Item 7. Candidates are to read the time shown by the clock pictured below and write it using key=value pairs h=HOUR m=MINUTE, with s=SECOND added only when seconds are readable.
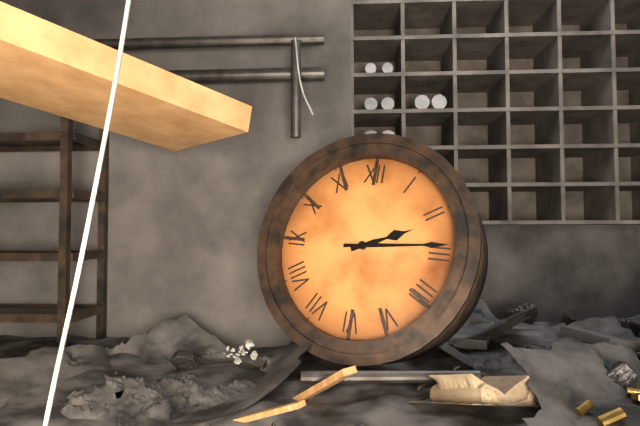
h=2 m=14
